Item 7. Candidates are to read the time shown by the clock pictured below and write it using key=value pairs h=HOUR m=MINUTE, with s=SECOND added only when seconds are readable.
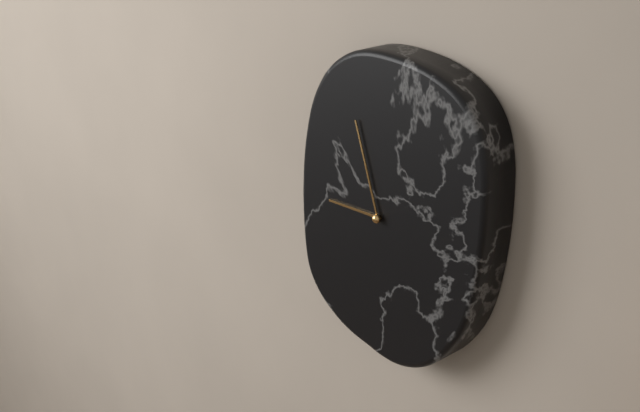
h=8 m=57
